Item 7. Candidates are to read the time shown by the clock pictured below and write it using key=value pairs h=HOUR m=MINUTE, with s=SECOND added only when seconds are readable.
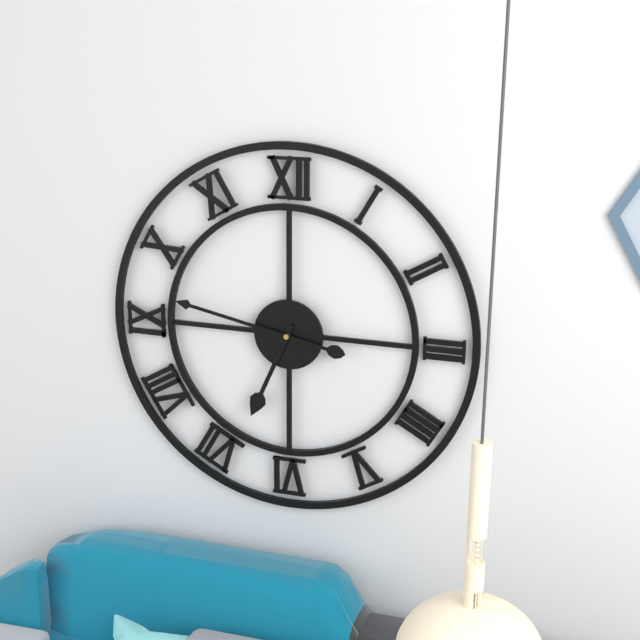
h=6 m=47
